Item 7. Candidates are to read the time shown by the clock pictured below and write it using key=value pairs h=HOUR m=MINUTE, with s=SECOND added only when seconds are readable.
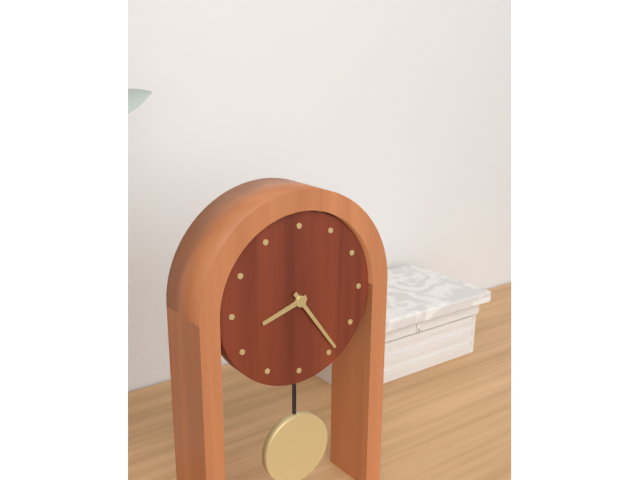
h=8 m=24
